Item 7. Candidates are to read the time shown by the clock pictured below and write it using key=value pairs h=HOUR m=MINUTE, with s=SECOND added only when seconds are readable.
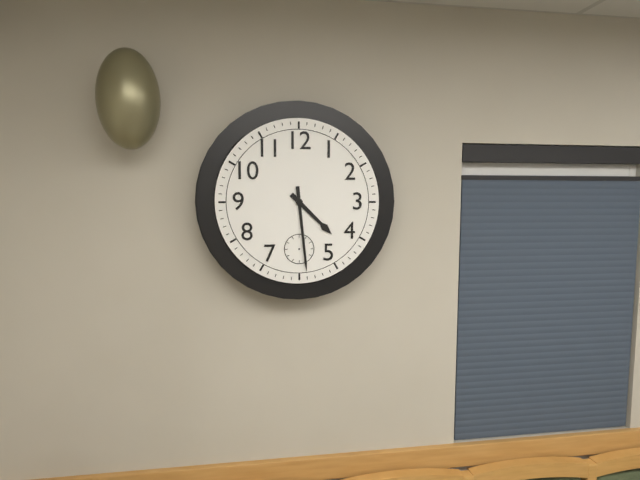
h=4 m=29
